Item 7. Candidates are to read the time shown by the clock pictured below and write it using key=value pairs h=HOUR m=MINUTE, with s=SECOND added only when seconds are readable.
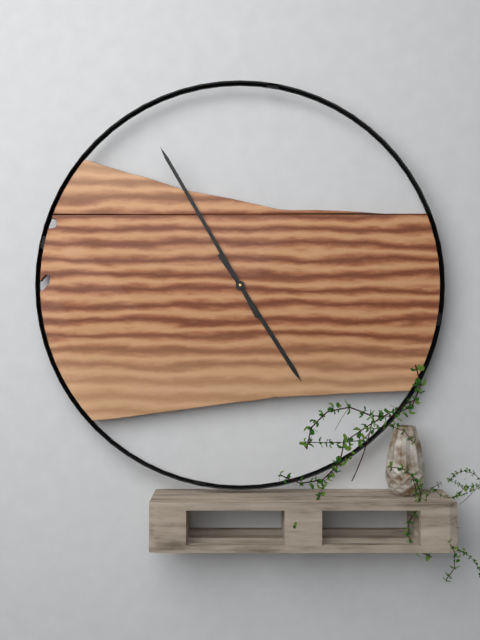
h=4 m=55
